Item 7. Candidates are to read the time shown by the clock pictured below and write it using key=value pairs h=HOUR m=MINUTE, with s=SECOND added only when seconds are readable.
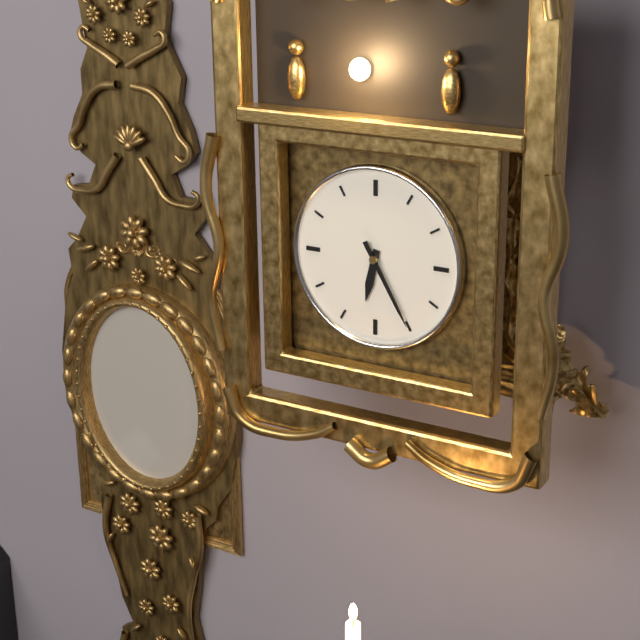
h=6 m=25
